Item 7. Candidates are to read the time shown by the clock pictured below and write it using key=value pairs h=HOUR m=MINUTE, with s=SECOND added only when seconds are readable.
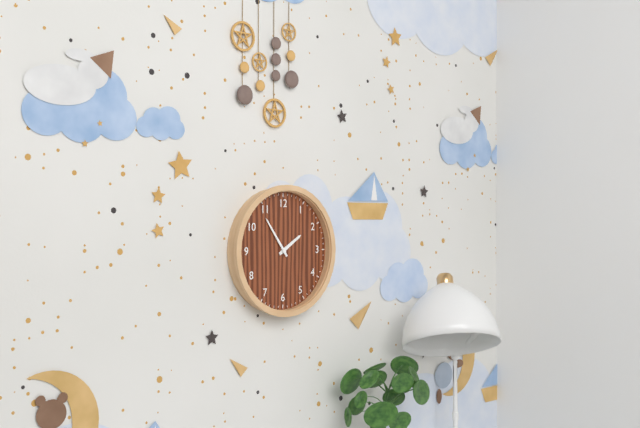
h=1 m=54
